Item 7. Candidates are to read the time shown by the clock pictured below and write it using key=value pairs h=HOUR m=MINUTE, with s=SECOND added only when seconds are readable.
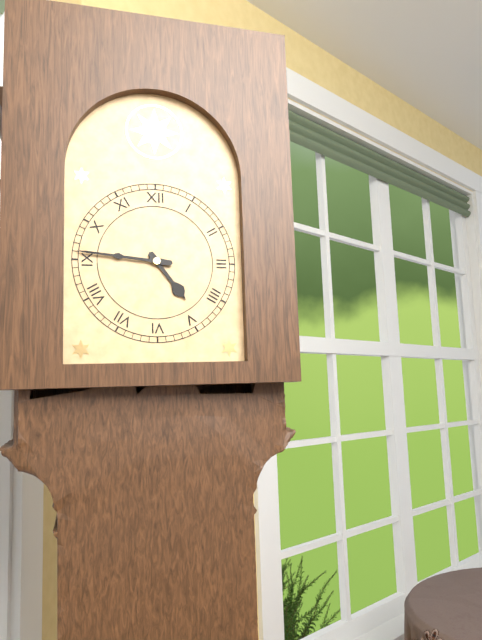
h=4 m=46
